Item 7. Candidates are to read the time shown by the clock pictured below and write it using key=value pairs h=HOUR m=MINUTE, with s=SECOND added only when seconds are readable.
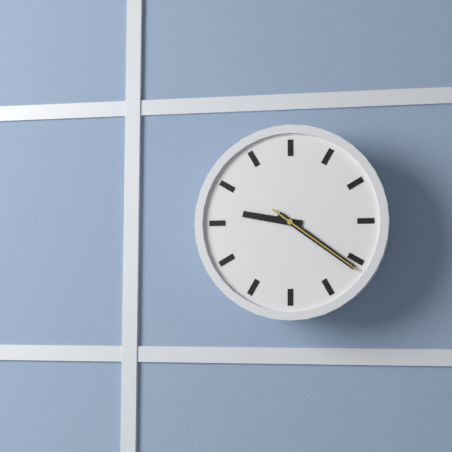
h=9 m=21 s=21
